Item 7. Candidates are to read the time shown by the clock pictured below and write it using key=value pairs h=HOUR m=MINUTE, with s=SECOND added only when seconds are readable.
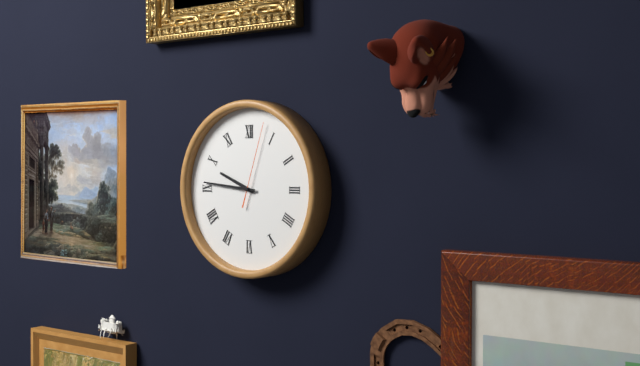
h=9 m=46 s=3
